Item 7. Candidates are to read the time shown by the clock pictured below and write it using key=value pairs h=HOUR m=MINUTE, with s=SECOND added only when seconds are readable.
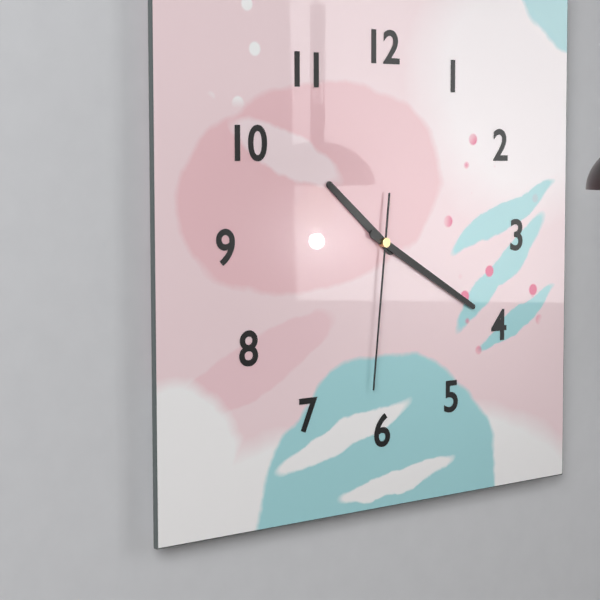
h=10 m=20 s=31
